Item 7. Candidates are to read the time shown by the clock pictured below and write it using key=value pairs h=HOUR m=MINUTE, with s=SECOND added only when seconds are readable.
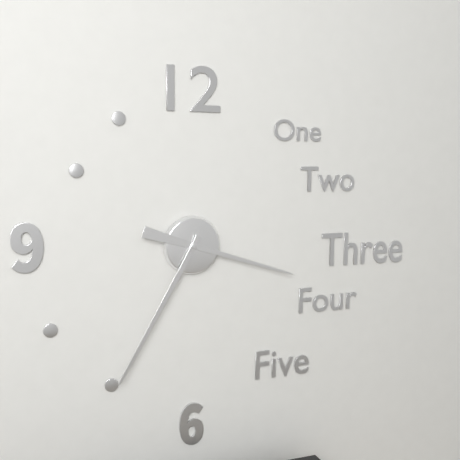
h=3 m=35
